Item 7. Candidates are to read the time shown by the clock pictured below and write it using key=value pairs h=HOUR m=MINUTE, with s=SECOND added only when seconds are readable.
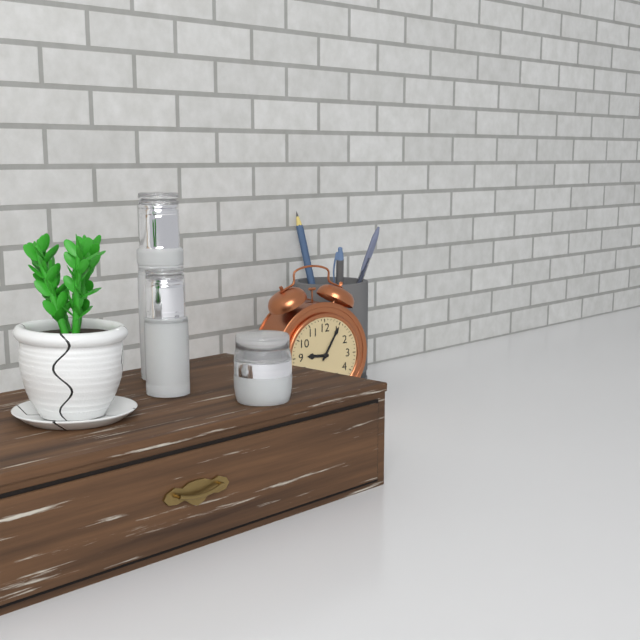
h=9 m=5
